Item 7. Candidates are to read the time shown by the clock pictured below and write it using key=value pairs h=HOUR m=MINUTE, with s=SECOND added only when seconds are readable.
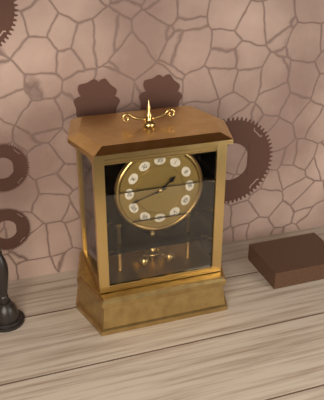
h=1 m=42
